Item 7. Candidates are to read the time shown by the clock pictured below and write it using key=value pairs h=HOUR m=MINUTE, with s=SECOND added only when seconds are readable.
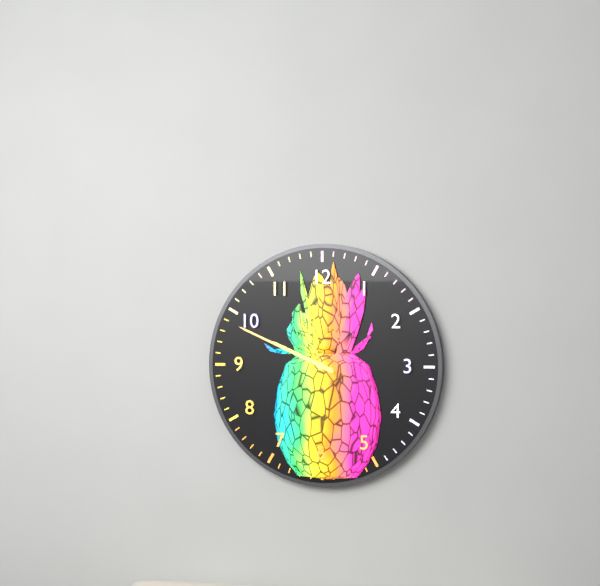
h=9 m=49
